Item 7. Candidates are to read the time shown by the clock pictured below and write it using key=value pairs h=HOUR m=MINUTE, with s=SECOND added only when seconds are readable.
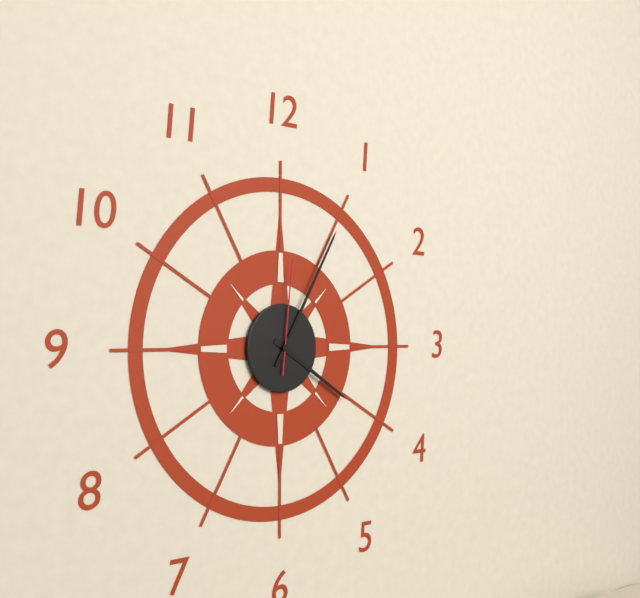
h=4 m=5 s=1
